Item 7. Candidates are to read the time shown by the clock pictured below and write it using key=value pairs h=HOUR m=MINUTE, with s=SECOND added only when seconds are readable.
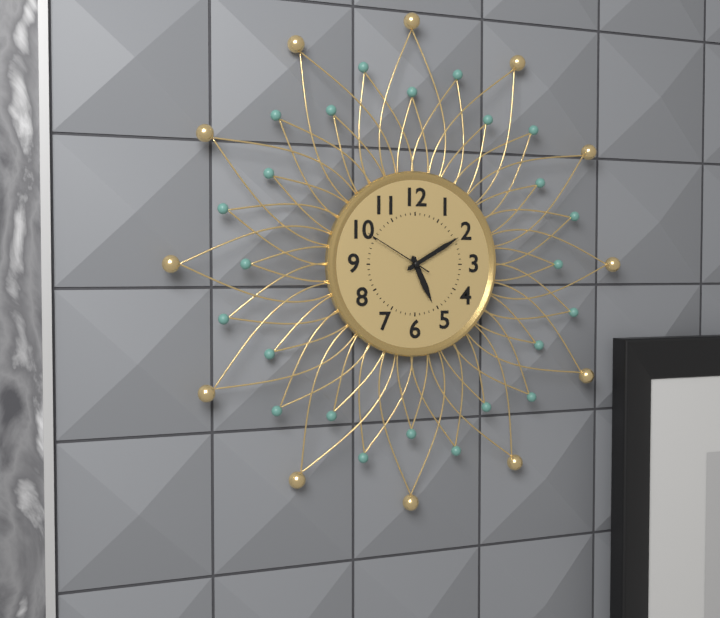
h=5 m=10 s=50
